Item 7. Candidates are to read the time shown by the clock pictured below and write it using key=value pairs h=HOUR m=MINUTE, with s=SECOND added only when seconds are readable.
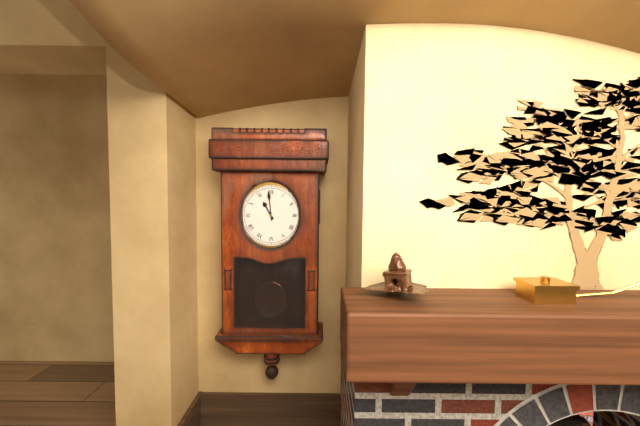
h=10 m=59
